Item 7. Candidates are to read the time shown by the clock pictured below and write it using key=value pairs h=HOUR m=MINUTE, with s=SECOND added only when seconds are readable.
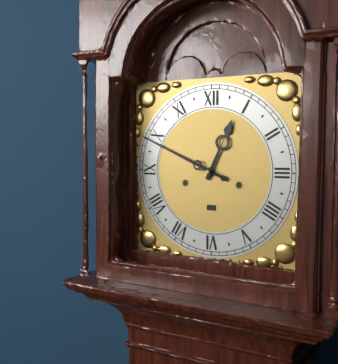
h=12 m=49
